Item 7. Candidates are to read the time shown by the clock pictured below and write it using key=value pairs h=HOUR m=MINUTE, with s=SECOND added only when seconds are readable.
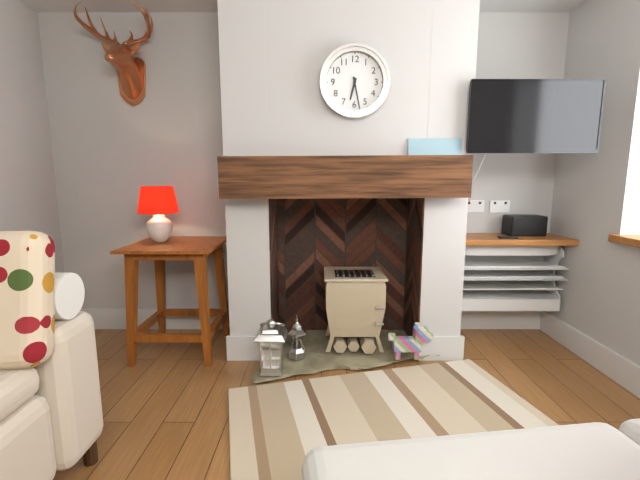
h=6 m=28
